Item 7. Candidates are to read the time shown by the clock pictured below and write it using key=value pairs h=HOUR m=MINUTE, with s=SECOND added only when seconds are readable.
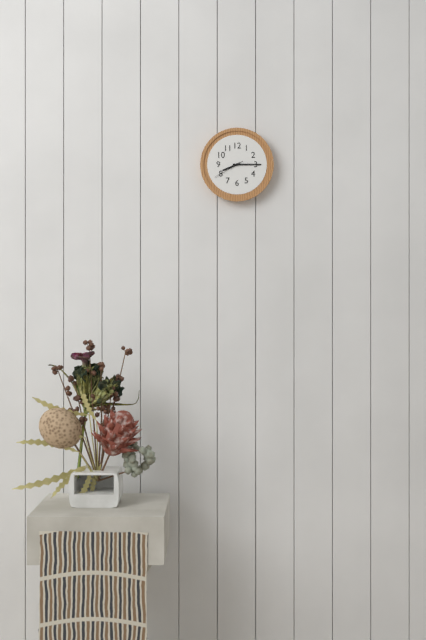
h=8 m=15
